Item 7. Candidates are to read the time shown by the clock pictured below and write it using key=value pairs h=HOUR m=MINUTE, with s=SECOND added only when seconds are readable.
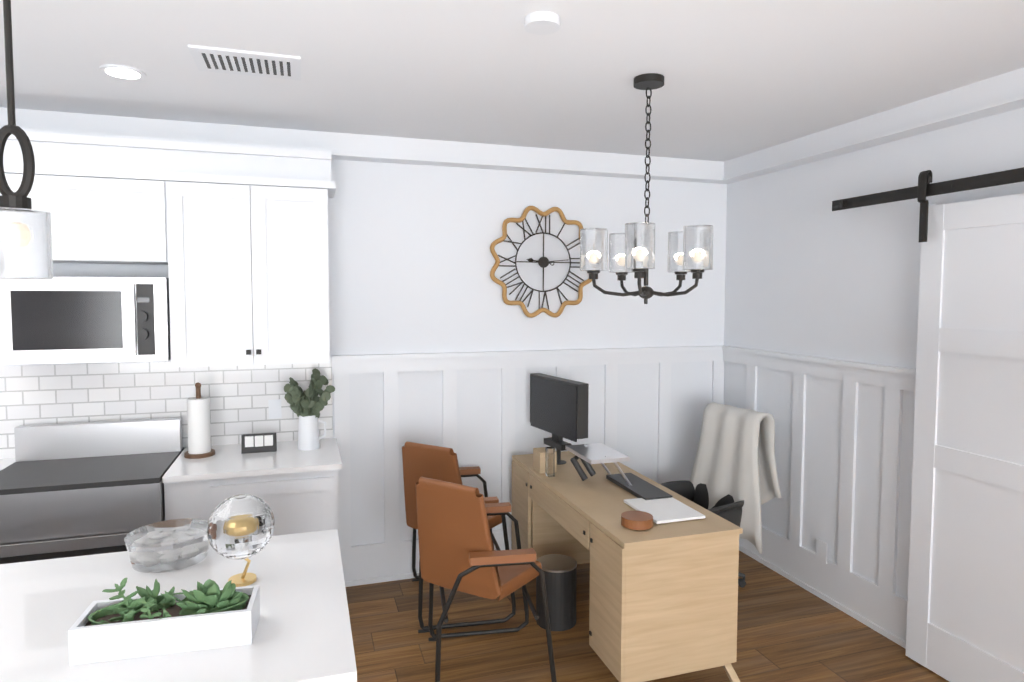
h=9 m=14
